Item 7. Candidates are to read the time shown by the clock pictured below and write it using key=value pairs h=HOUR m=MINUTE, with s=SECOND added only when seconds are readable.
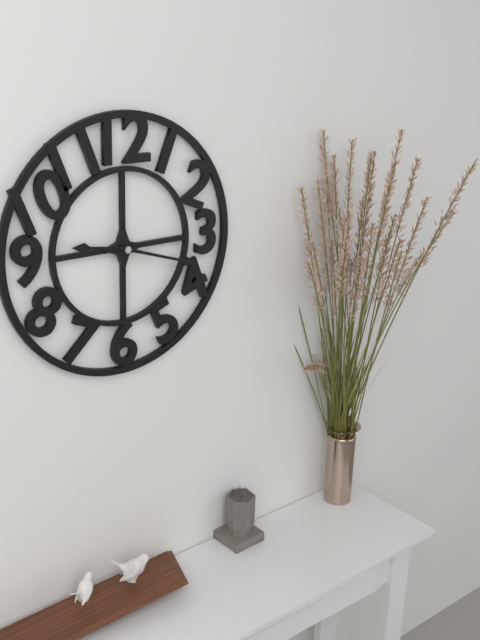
h=9 m=18
